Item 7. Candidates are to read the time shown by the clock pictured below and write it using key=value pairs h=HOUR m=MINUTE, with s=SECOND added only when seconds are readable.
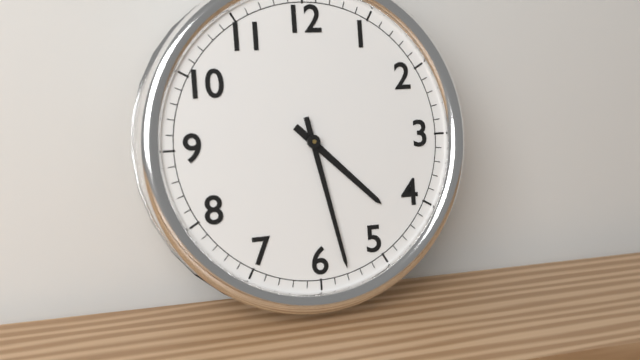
h=4 m=28
